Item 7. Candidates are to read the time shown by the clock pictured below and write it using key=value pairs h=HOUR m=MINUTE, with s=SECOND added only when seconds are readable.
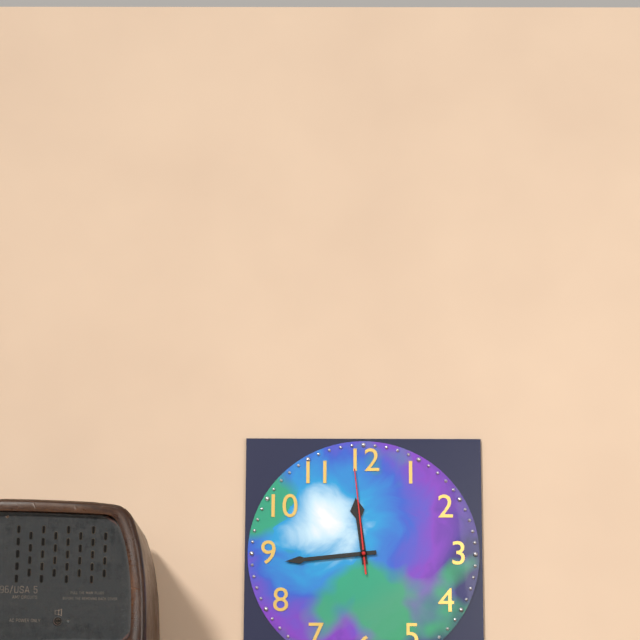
h=11 m=44 s=59
